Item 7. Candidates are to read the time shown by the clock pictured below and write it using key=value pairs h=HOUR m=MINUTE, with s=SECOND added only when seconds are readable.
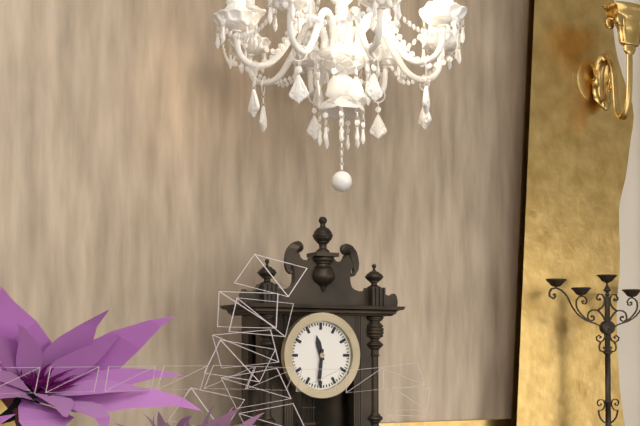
h=11 m=31
